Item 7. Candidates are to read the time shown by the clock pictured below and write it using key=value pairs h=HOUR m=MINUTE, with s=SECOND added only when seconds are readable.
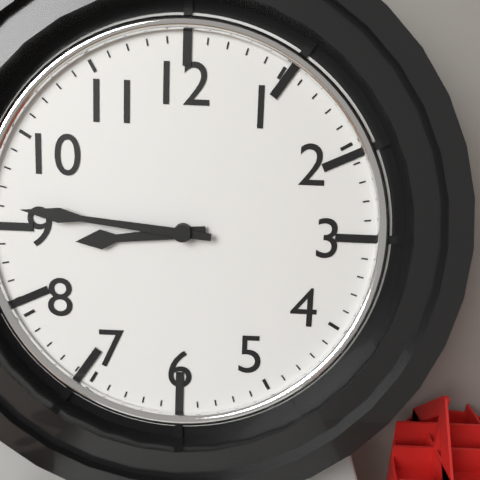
h=8 m=46
